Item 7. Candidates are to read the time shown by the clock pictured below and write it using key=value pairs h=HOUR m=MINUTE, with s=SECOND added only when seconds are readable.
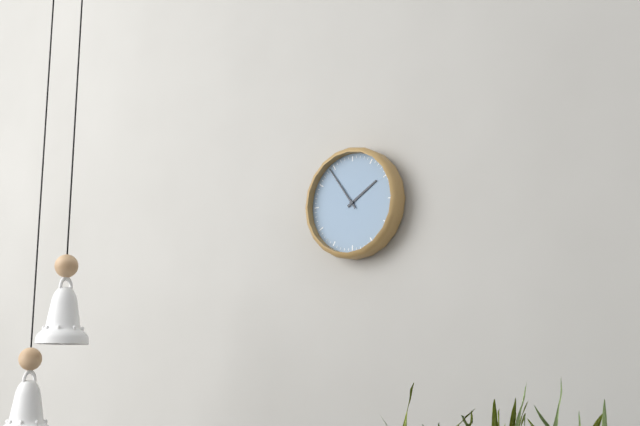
h=1 m=54
